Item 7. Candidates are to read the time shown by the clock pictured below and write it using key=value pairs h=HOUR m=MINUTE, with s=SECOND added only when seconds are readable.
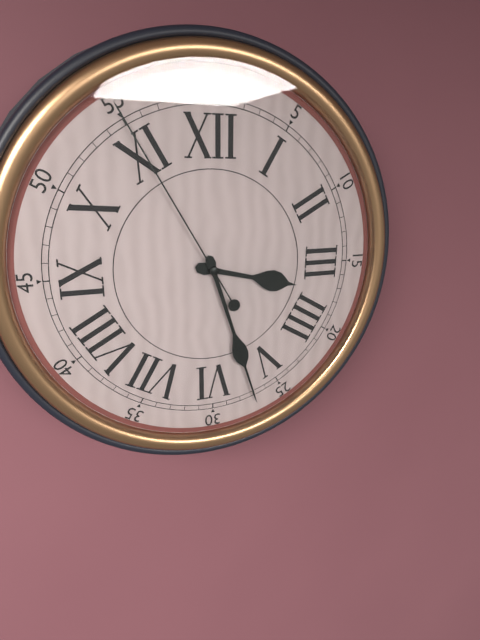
h=3 m=27 s=55
